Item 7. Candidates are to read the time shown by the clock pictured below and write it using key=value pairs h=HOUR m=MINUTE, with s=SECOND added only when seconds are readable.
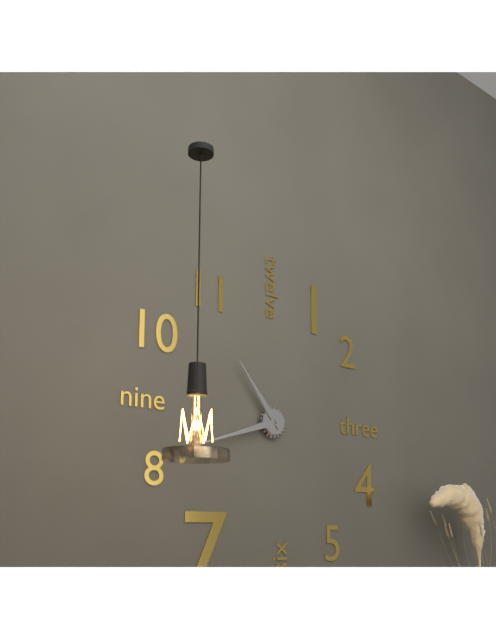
h=10 m=42
